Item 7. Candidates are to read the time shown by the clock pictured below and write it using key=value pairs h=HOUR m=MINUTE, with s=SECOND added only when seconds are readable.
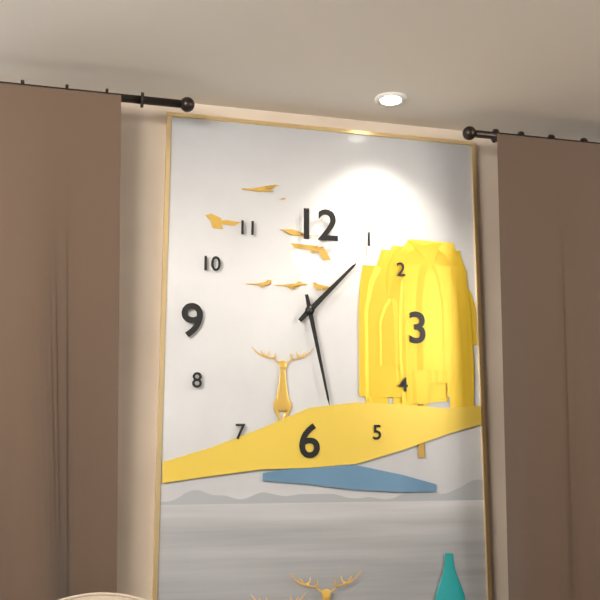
h=1 m=28
